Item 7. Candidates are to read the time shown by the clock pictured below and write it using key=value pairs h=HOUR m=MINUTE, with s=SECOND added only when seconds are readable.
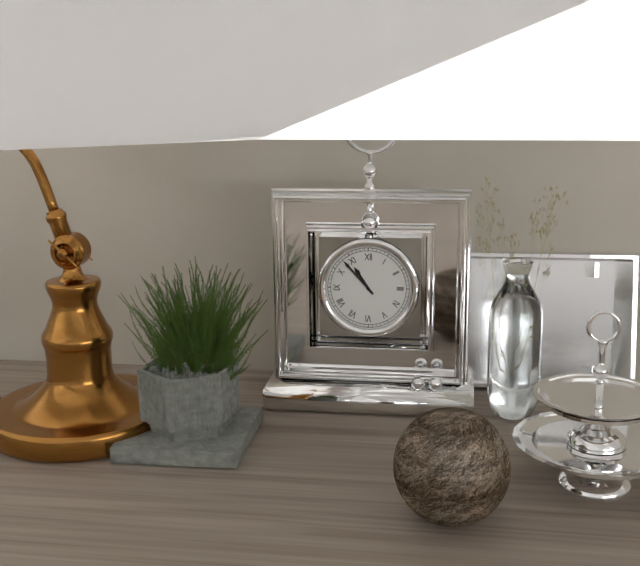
h=10 m=53
